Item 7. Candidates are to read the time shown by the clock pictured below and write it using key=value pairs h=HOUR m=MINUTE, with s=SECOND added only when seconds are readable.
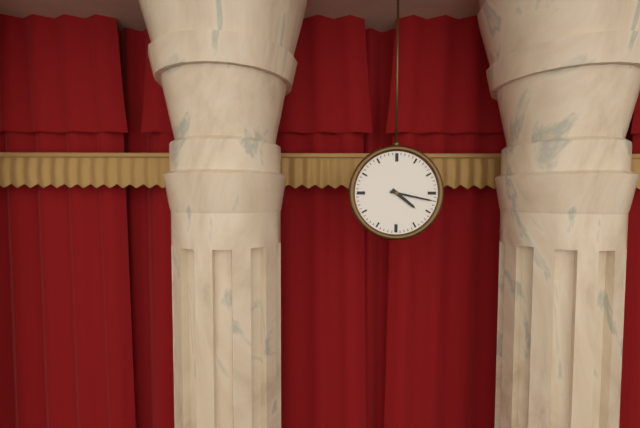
h=4 m=17
